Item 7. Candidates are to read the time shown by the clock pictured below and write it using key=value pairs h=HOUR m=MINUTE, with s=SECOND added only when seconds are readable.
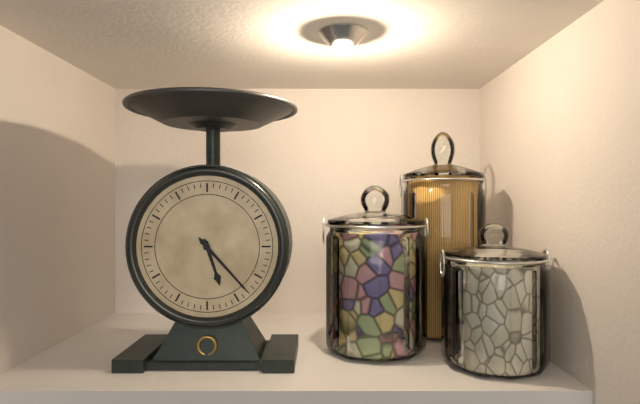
h=5 m=23
